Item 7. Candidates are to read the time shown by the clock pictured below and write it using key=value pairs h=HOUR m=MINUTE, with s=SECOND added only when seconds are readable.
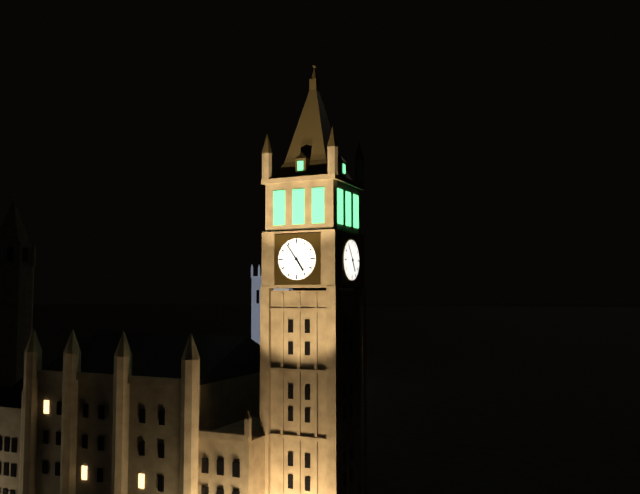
h=4 m=54
